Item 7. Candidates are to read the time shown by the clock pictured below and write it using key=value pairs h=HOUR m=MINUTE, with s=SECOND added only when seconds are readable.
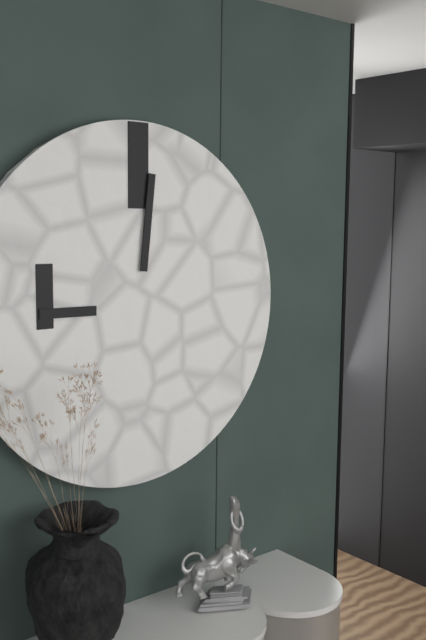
h=9 m=1
